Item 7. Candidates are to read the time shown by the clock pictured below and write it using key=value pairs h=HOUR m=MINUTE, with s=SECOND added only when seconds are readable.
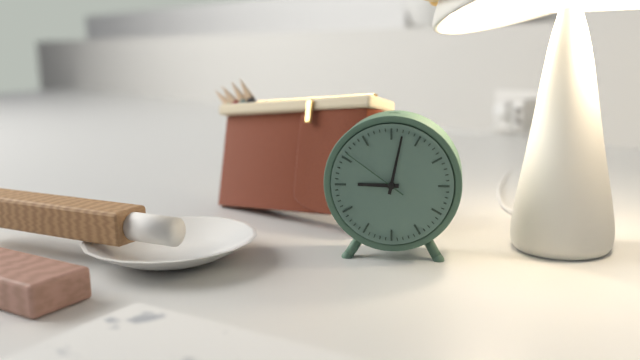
h=9 m=2 s=51
